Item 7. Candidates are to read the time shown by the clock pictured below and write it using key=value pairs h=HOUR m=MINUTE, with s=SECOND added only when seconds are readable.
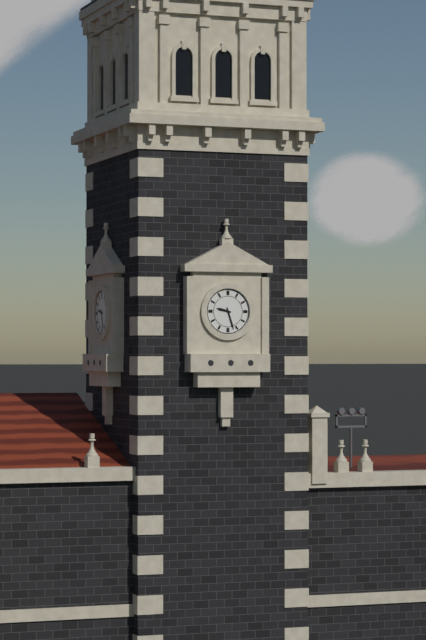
h=9 m=27
